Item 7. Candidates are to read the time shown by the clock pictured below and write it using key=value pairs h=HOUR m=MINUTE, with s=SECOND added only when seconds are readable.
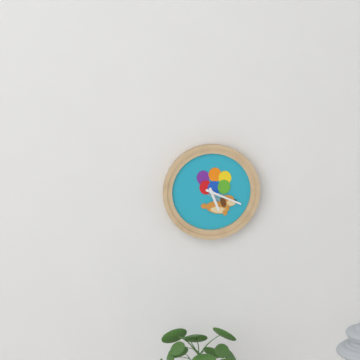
h=5 m=19
